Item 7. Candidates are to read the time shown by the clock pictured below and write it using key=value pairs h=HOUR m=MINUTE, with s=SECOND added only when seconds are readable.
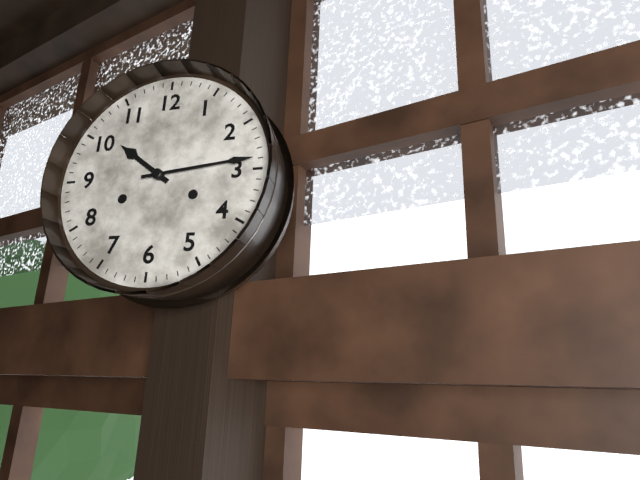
h=10 m=14
